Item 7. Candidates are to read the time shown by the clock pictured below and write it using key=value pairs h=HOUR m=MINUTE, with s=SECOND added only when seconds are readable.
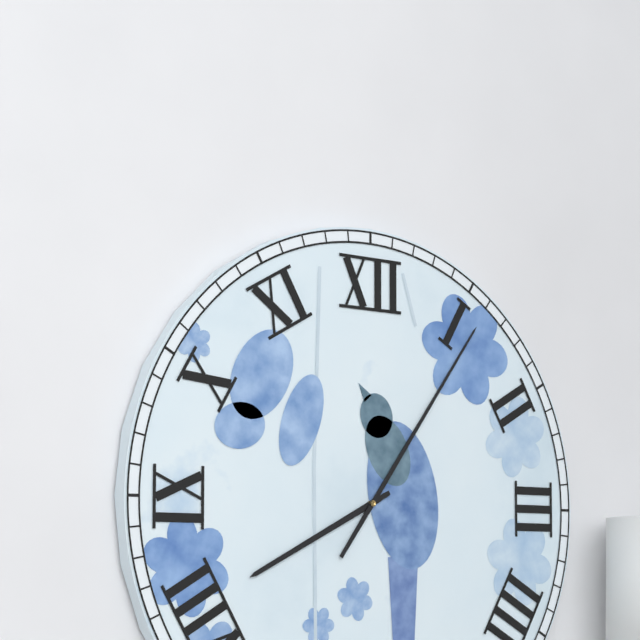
h=8 m=6
